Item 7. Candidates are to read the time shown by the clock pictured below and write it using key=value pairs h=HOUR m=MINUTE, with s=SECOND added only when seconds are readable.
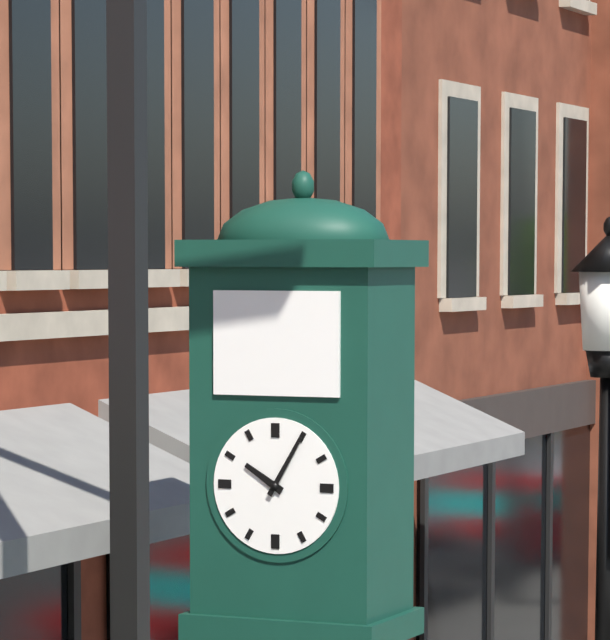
h=10 m=5
